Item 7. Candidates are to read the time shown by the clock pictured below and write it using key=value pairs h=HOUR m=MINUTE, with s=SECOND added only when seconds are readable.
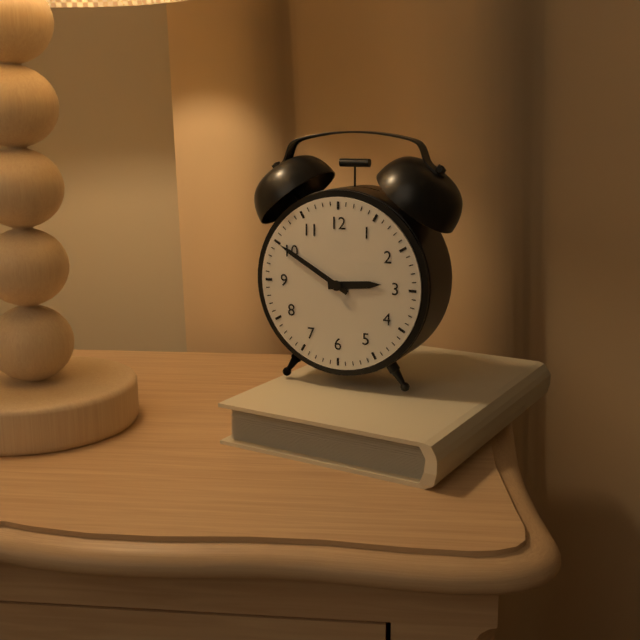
h=2 m=50
